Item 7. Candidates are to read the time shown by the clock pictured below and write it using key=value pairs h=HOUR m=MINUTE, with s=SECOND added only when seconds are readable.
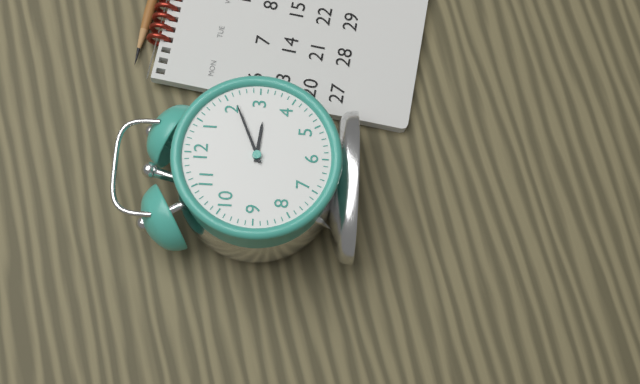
h=3 m=11
